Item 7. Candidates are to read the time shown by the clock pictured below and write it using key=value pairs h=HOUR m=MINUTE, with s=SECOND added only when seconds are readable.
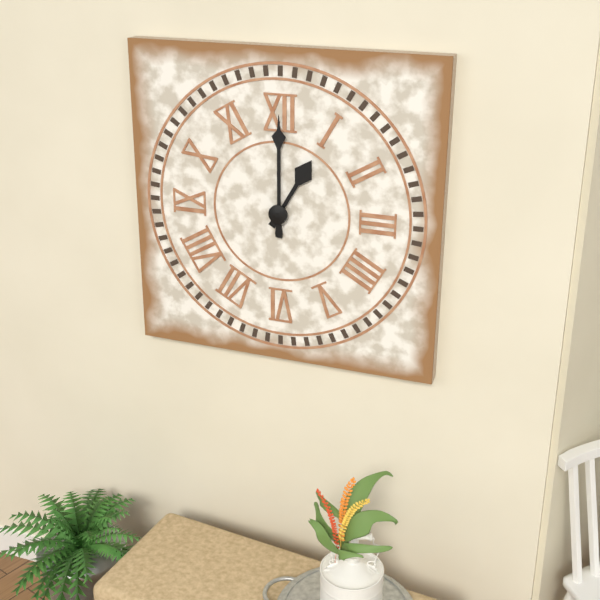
h=1 m=0
